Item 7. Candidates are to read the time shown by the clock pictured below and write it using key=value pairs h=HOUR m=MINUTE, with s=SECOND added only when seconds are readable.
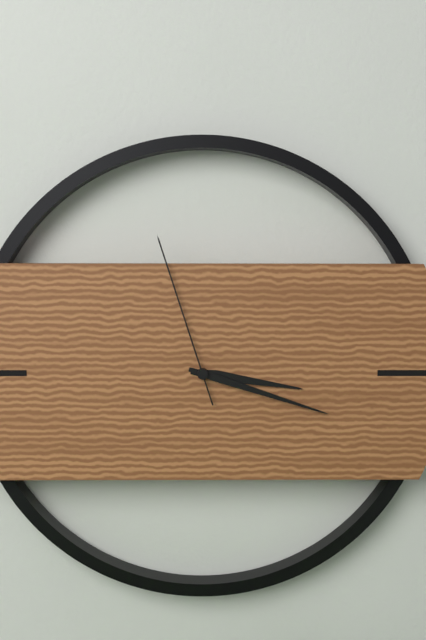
h=3 m=18 s=57
